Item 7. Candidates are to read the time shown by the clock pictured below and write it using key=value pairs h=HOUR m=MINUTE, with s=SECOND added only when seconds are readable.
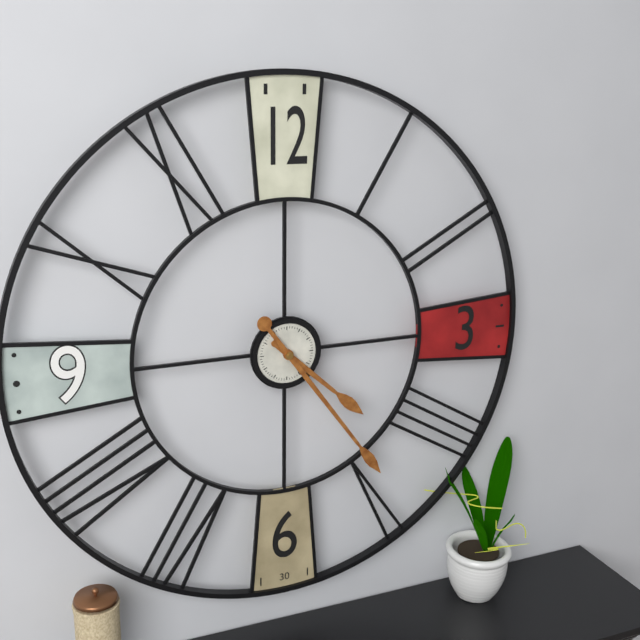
h=4 m=24
